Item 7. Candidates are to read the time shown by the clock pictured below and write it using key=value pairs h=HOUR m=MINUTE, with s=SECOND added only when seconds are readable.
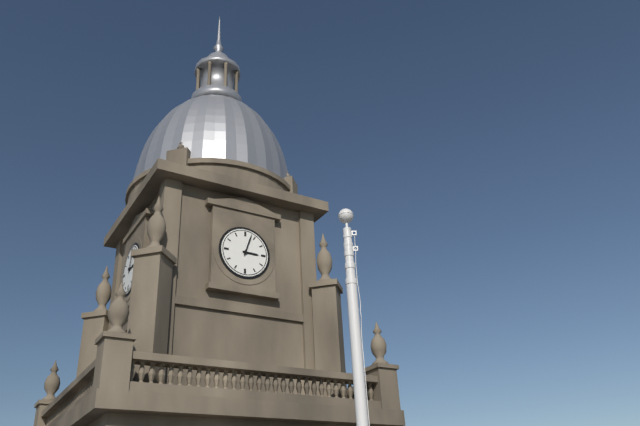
h=3 m=3
